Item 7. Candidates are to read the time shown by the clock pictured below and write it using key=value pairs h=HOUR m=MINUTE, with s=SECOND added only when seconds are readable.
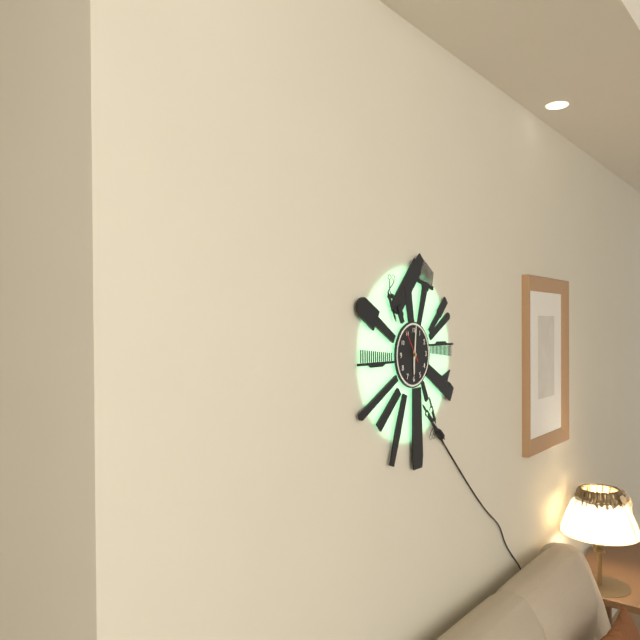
h=6 m=1
